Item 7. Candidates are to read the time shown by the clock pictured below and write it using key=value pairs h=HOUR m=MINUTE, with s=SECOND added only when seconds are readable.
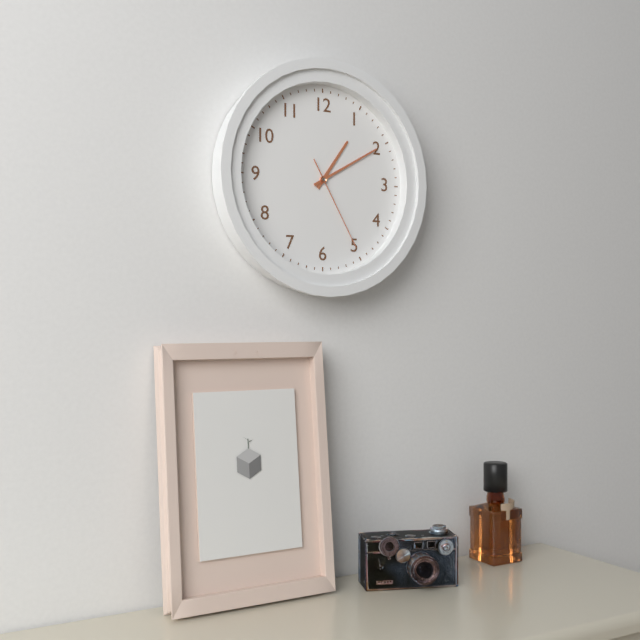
h=1 m=10 s=25
